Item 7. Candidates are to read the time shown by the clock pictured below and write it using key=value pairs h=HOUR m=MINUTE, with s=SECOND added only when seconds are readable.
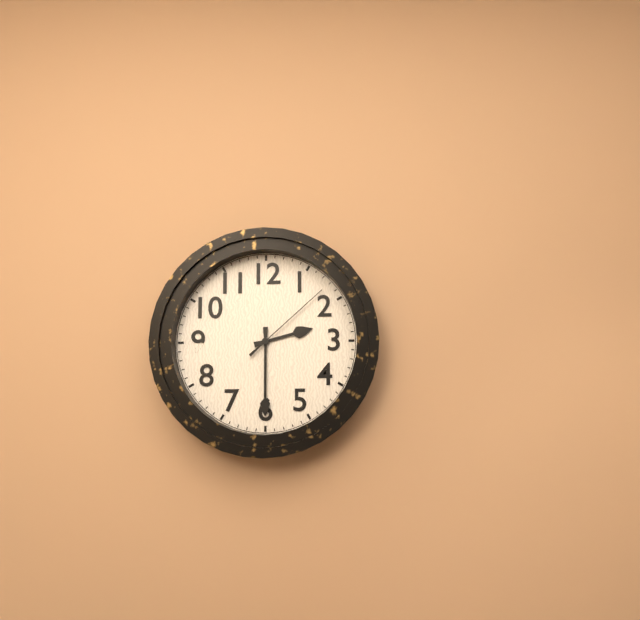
h=2 m=30 s=8
